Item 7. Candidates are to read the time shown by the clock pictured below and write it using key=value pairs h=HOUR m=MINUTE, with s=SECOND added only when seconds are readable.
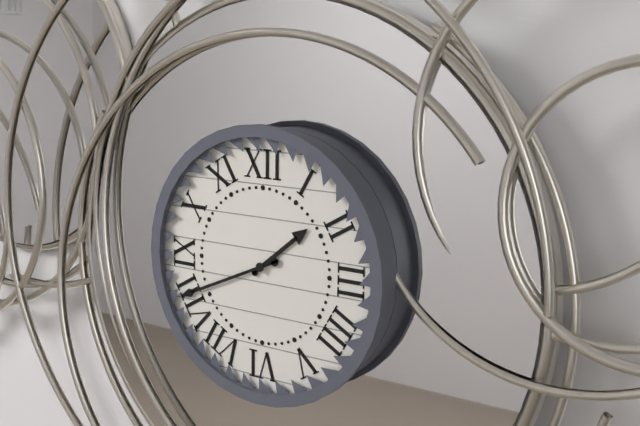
h=1 m=41
